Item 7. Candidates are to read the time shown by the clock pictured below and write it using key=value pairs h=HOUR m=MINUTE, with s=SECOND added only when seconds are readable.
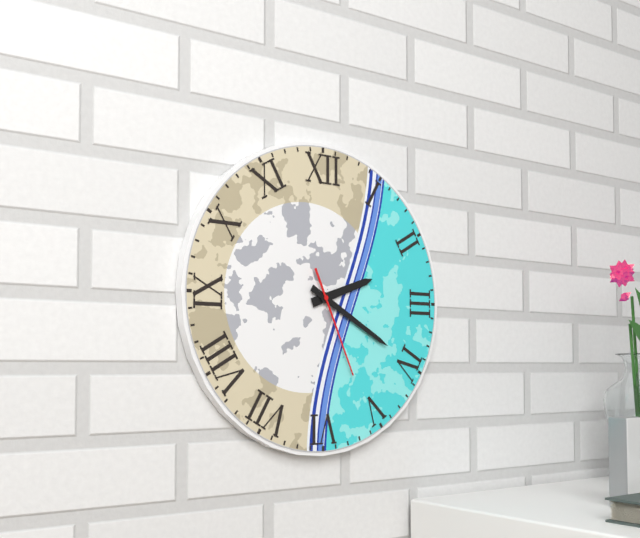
h=2 m=20 s=26
